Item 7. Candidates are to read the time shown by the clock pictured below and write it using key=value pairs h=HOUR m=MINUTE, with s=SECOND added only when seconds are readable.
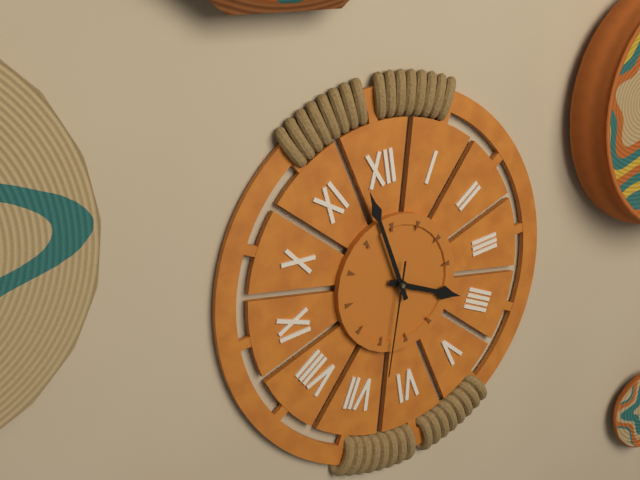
h=3 m=58 s=33
